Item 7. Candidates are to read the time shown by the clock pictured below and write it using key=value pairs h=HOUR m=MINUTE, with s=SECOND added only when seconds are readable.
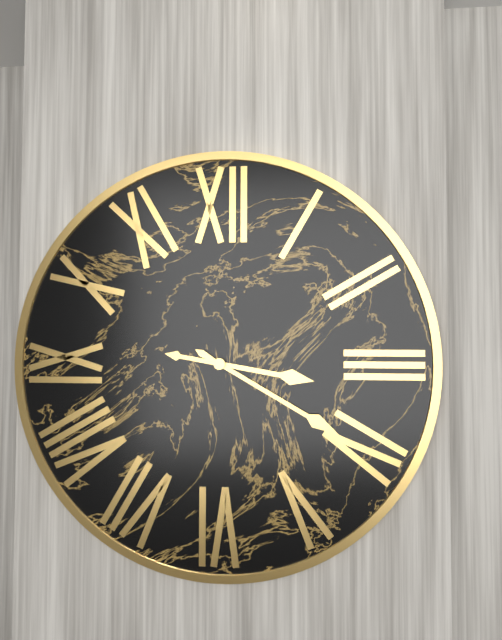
h=3 m=20
